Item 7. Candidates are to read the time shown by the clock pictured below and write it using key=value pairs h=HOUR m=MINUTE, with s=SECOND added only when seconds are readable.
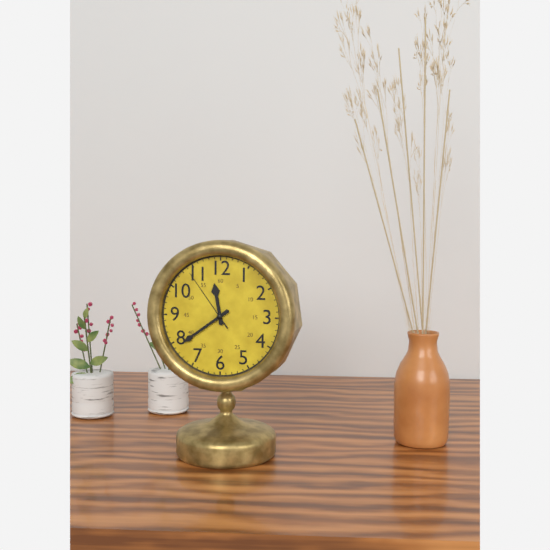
h=11 m=39 s=54
